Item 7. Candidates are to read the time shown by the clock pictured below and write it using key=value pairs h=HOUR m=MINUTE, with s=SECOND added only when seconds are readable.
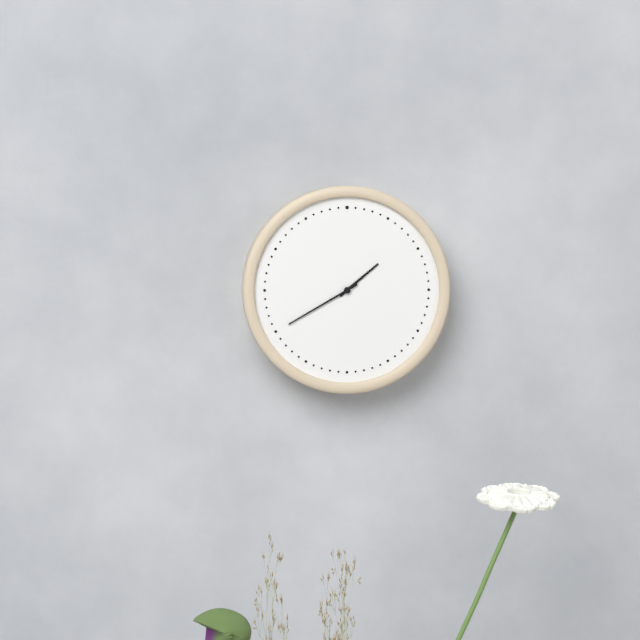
h=1 m=40
